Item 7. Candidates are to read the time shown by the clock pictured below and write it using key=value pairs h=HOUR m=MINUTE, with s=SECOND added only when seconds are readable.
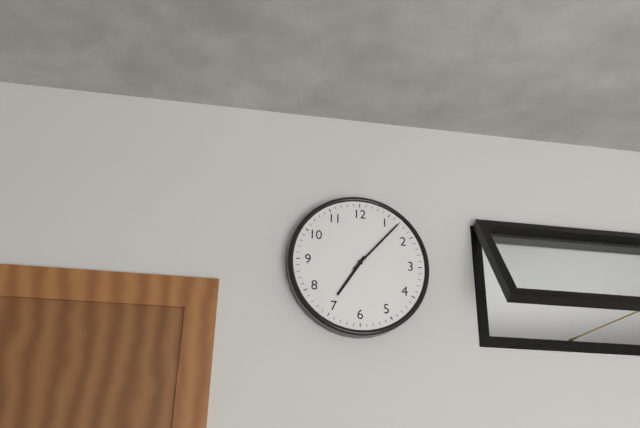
h=7 m=7
